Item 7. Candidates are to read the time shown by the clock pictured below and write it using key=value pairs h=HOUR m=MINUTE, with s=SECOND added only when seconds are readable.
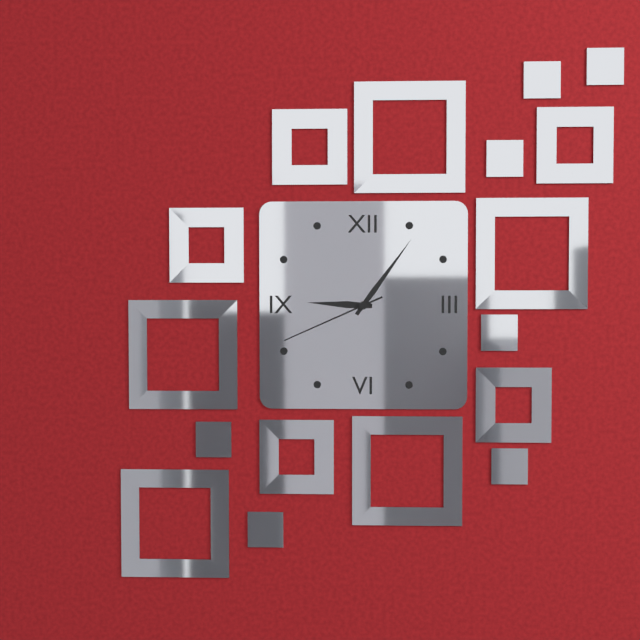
h=9 m=6 s=41
